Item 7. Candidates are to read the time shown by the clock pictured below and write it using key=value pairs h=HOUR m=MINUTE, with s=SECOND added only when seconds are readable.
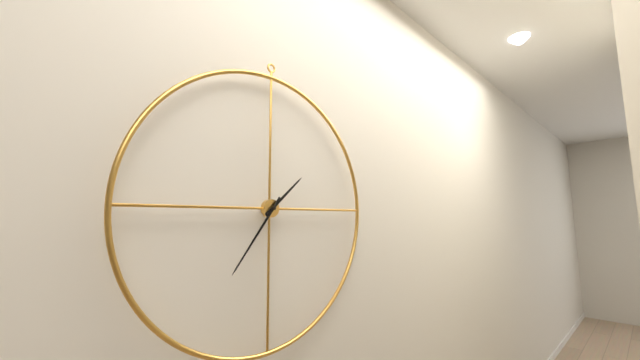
h=1 m=36
